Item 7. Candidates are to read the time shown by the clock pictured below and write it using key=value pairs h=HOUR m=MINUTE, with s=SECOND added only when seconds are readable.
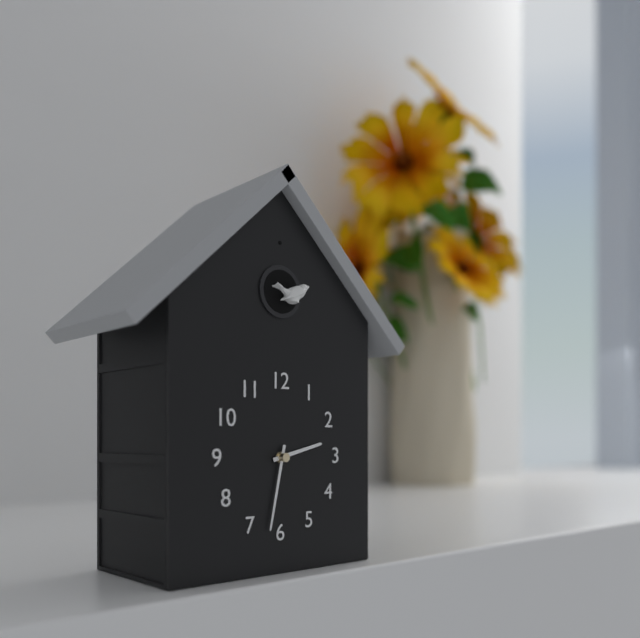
h=2 m=32
